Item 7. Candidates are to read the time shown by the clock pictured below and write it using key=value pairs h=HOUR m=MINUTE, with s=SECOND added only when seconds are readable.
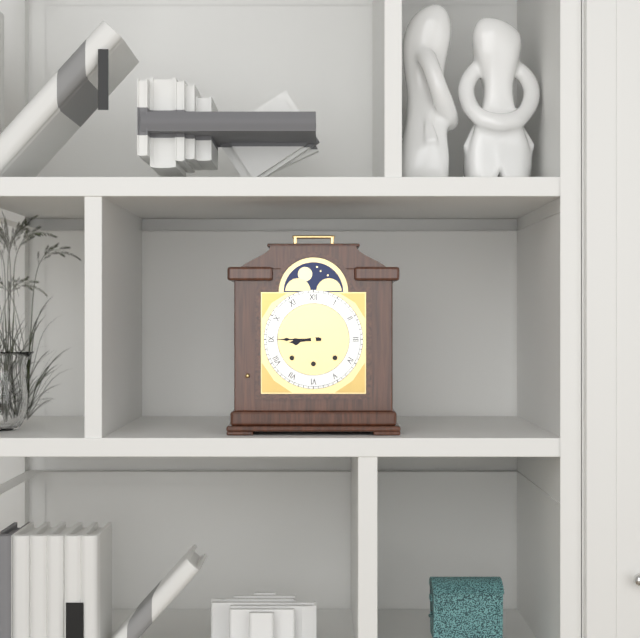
h=8 m=45
